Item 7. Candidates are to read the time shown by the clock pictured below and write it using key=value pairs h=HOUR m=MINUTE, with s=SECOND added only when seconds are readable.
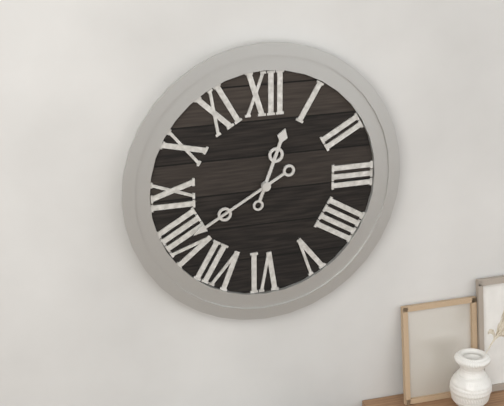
h=12 m=40
